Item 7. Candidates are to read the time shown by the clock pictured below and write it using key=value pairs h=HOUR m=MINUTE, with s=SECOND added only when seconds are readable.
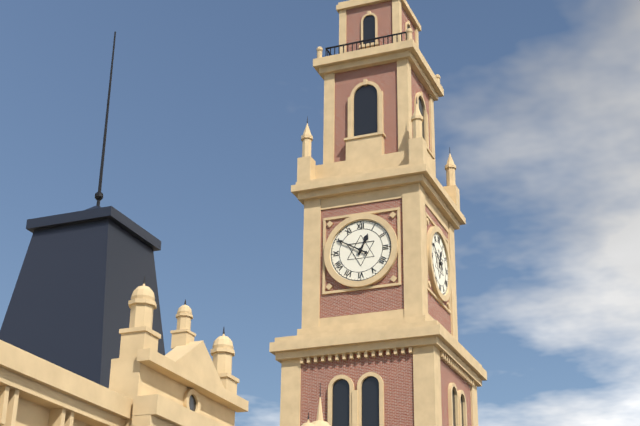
h=12 m=50
